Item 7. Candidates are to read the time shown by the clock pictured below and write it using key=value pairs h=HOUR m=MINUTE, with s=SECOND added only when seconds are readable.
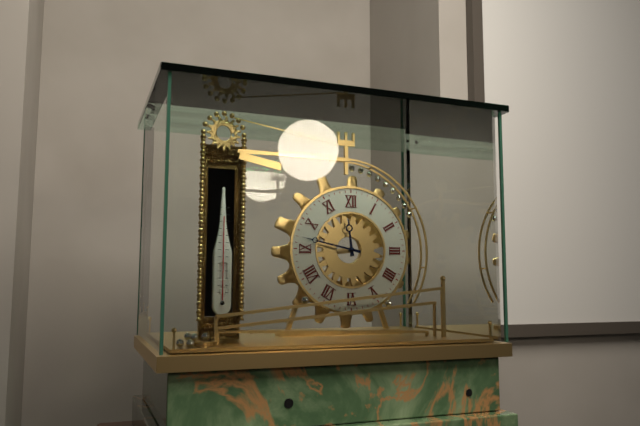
h=11 m=47
